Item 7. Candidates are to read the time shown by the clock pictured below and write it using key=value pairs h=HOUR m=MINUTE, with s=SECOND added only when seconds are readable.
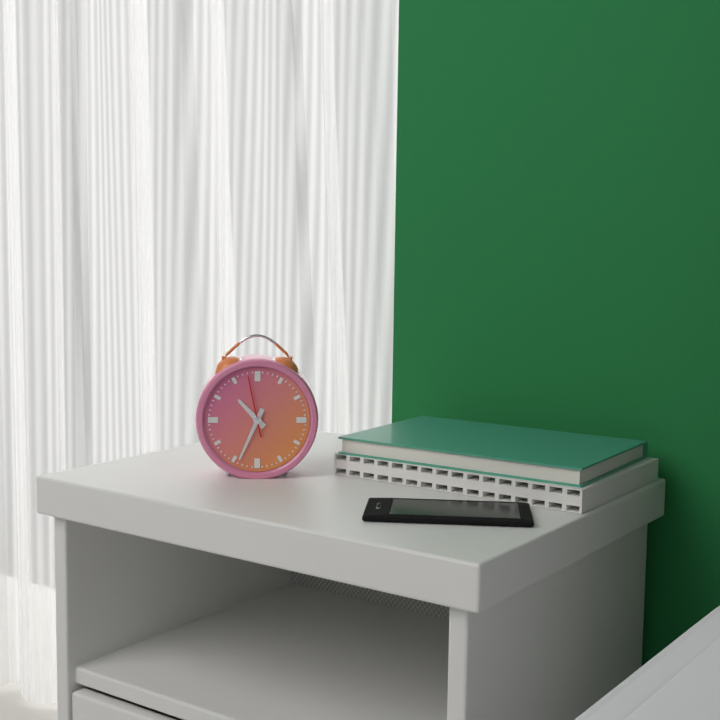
h=10 m=34 s=58
